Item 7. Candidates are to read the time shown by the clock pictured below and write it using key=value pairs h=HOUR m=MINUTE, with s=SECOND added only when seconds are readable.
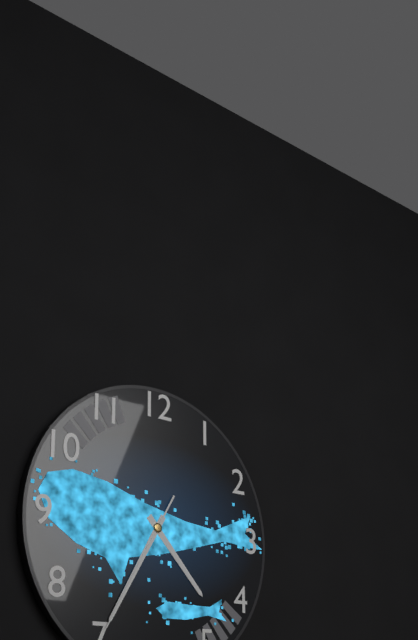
h=4 m=35 s=35
